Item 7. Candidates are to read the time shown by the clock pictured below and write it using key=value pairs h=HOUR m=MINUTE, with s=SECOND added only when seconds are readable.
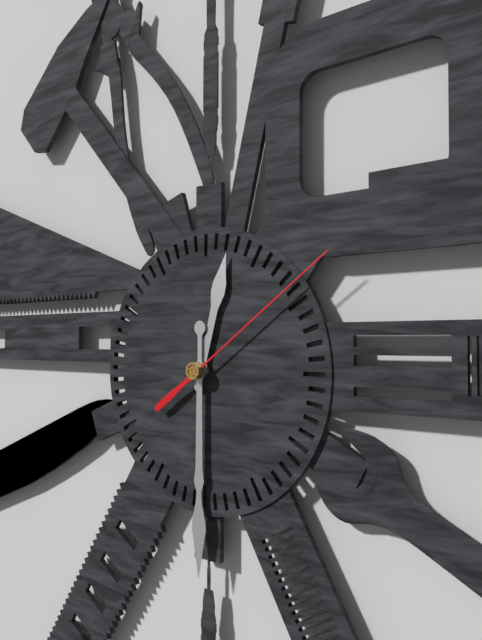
h=12 m=30 s=9
